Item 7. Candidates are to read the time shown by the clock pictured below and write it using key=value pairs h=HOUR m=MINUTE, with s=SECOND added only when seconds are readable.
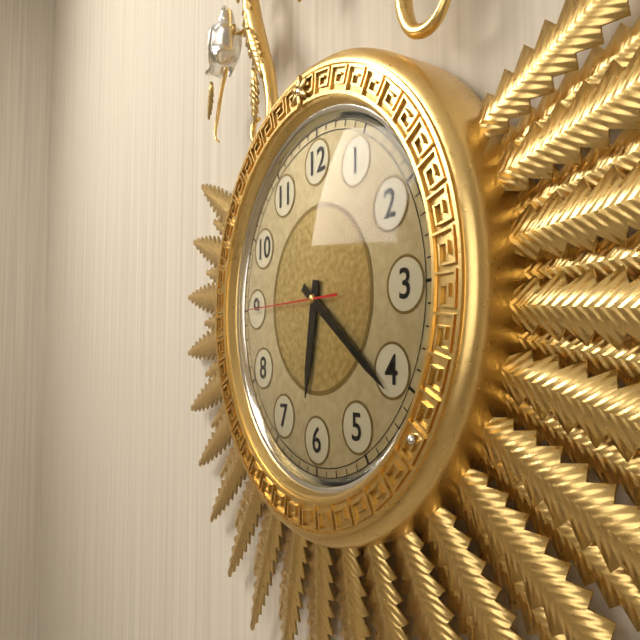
h=6 m=21 s=45
